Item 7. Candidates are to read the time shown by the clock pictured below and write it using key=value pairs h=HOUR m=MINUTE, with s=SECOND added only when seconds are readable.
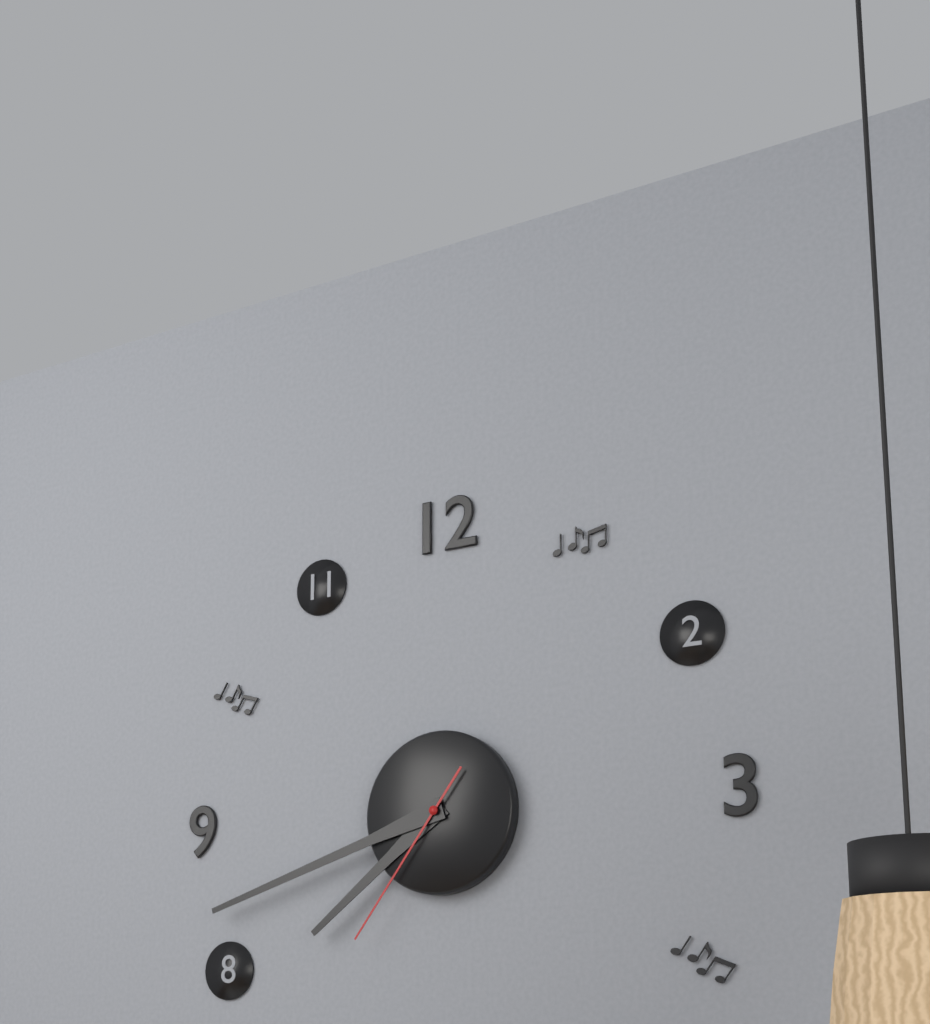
h=7 m=42 s=36
